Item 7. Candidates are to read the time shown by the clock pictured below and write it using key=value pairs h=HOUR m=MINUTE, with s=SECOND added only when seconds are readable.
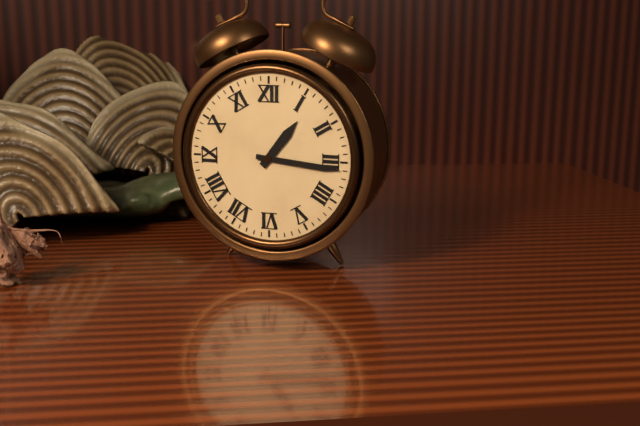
h=1 m=16
